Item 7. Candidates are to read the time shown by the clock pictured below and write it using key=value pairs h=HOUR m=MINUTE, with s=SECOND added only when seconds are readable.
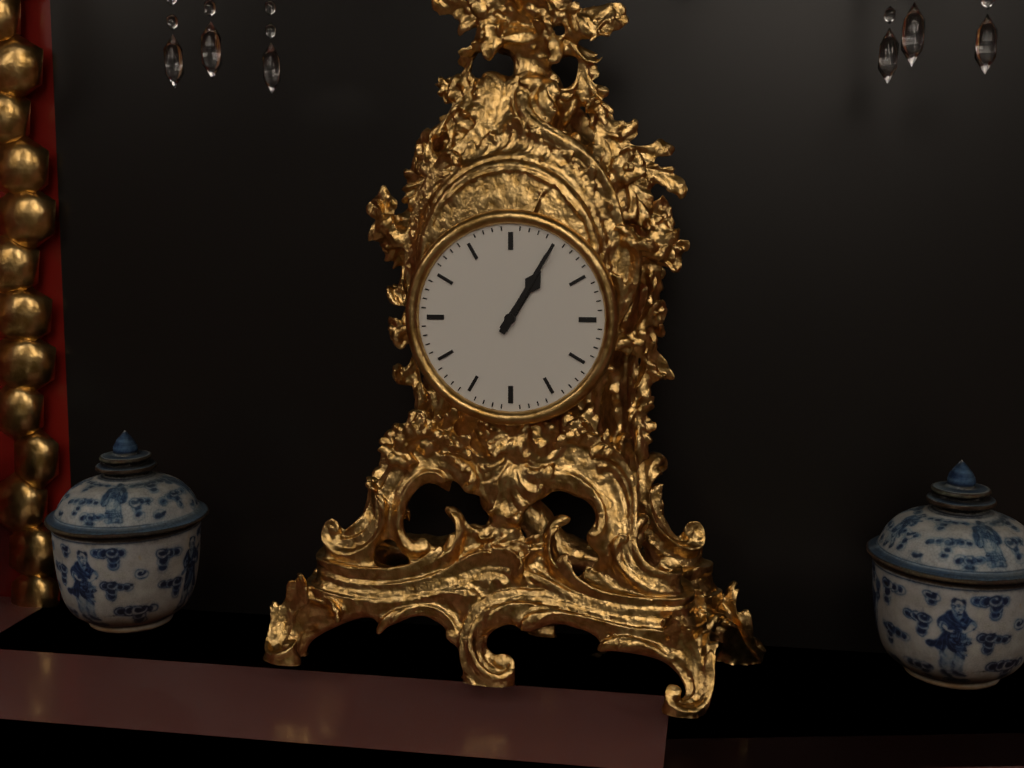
h=1 m=5
